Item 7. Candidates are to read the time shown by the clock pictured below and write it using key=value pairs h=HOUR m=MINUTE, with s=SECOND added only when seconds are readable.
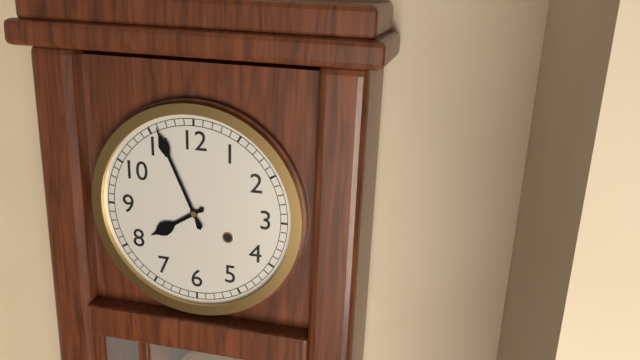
h=7 m=56
